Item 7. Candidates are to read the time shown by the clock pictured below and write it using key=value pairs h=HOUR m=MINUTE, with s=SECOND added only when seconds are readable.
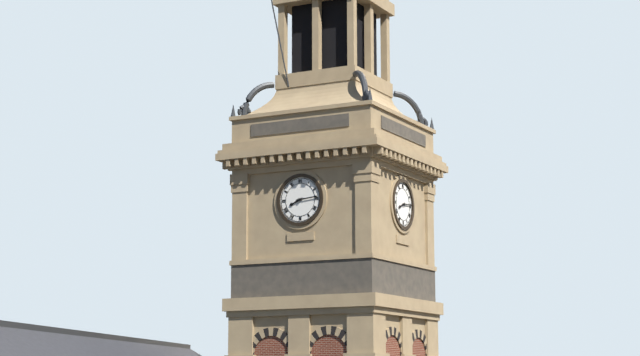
h=8 m=14
